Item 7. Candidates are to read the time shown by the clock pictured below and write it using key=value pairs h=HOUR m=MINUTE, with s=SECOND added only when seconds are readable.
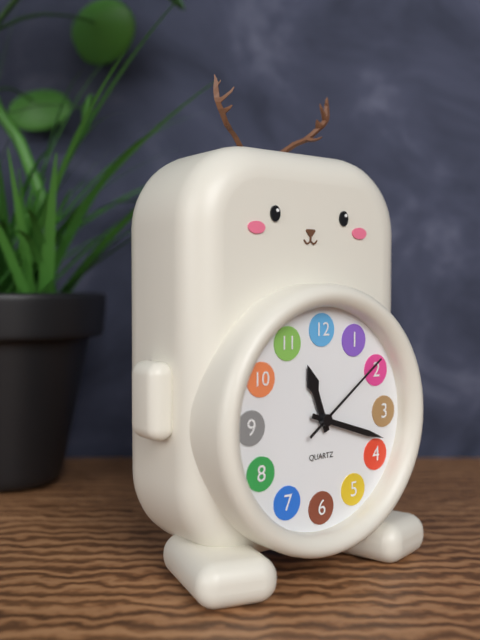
h=11 m=18 s=9
